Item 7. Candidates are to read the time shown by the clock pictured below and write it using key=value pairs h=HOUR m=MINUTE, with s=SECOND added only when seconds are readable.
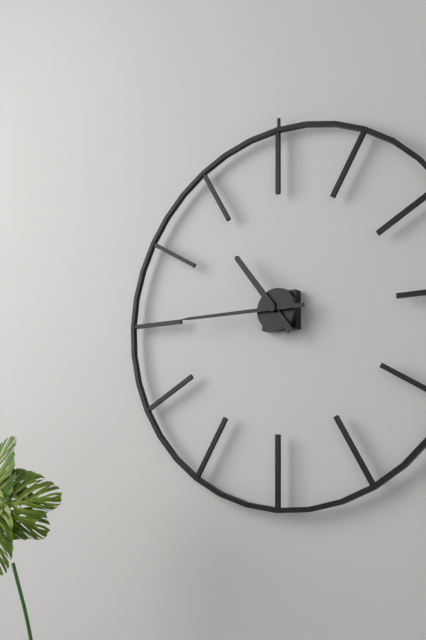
h=10 m=45
